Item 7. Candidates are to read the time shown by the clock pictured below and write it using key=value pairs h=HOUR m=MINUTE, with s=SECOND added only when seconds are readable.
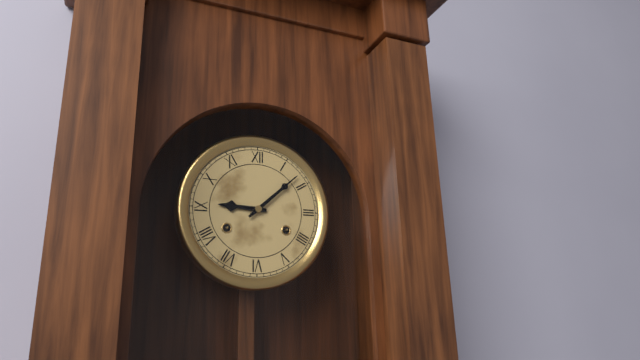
h=9 m=8
